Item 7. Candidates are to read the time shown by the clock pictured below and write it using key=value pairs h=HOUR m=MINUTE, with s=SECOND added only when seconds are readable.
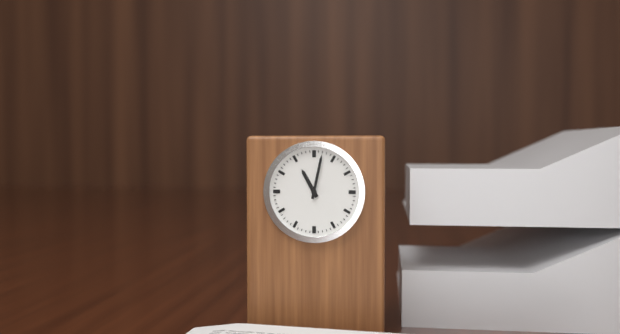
h=11 m=2
